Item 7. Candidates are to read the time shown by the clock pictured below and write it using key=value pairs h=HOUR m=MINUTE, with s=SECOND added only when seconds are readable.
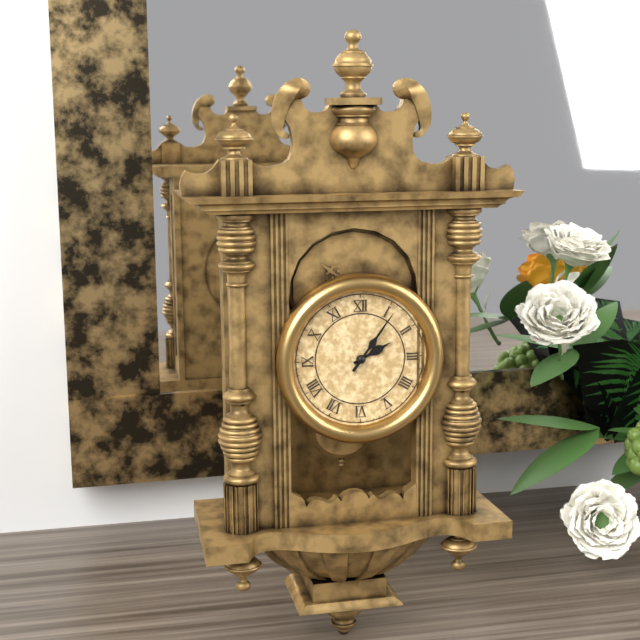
h=2 m=6
